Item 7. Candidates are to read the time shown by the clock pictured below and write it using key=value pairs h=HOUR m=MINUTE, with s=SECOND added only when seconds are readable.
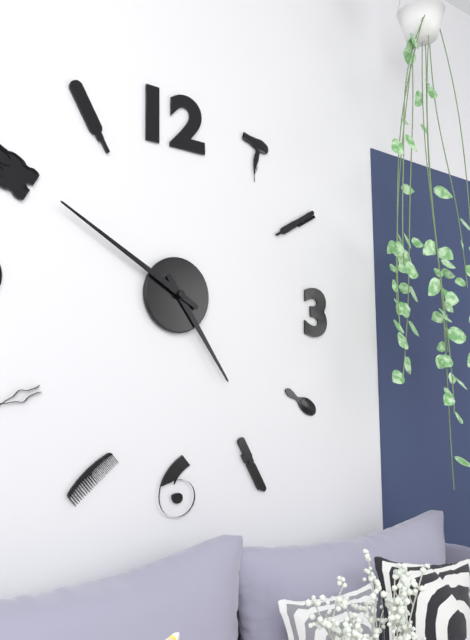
h=4 m=50
